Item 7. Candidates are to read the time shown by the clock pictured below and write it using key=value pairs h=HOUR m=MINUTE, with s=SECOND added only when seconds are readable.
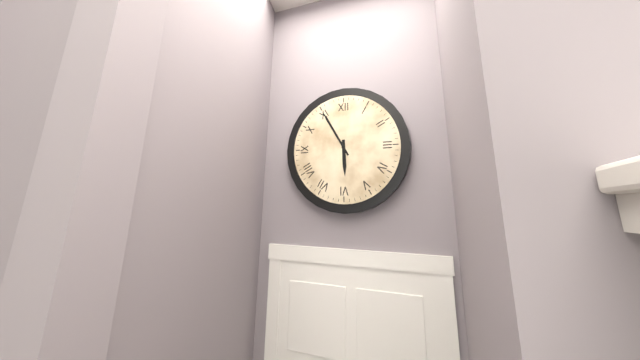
h=5 m=55
